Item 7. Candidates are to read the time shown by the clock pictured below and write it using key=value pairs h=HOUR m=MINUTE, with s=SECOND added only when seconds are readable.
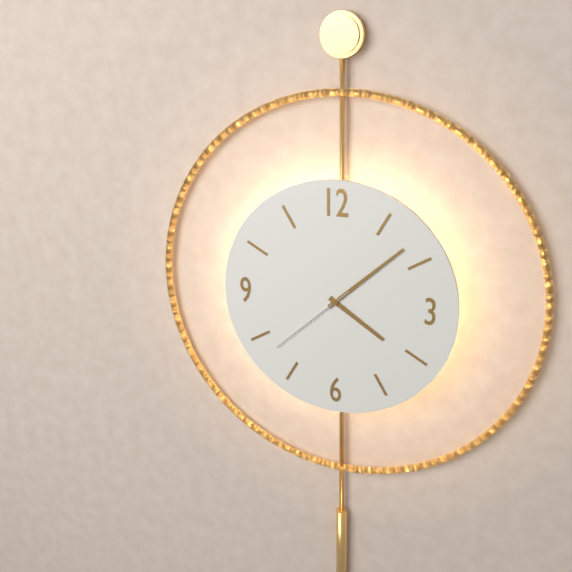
h=4 m=8 s=38
